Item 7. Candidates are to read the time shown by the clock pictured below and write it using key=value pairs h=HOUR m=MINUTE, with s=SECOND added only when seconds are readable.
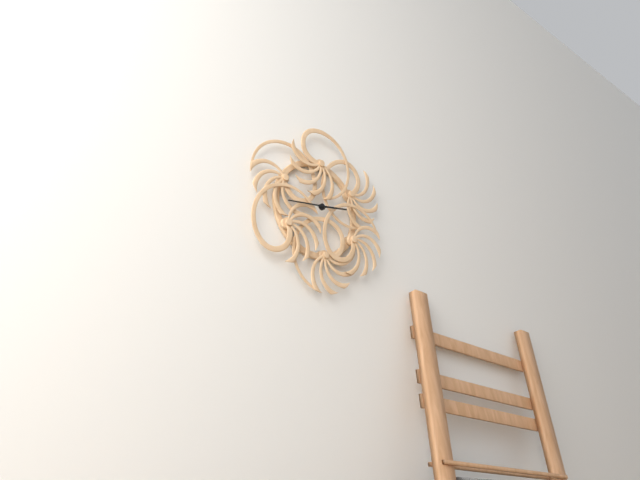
h=2 m=44
